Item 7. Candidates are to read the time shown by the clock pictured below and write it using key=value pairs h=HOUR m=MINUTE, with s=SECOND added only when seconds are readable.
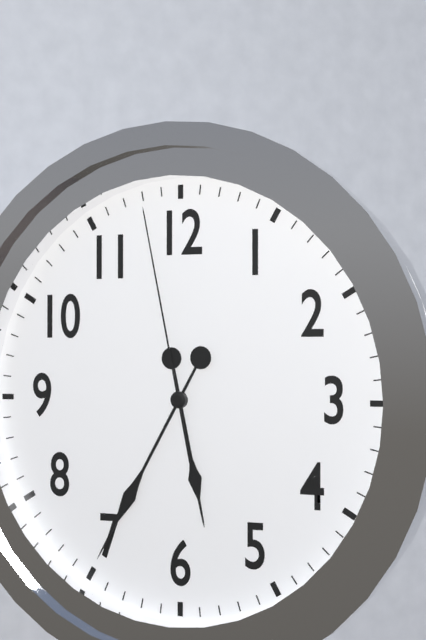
h=5 m=35 s=58
